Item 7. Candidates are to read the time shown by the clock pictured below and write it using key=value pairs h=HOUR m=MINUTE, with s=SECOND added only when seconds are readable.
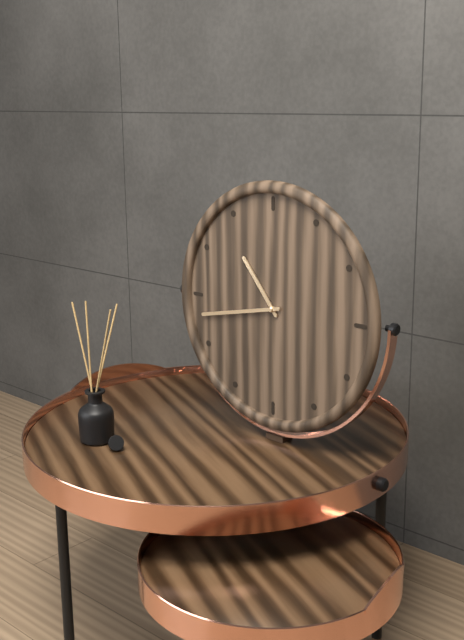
h=10 m=43
